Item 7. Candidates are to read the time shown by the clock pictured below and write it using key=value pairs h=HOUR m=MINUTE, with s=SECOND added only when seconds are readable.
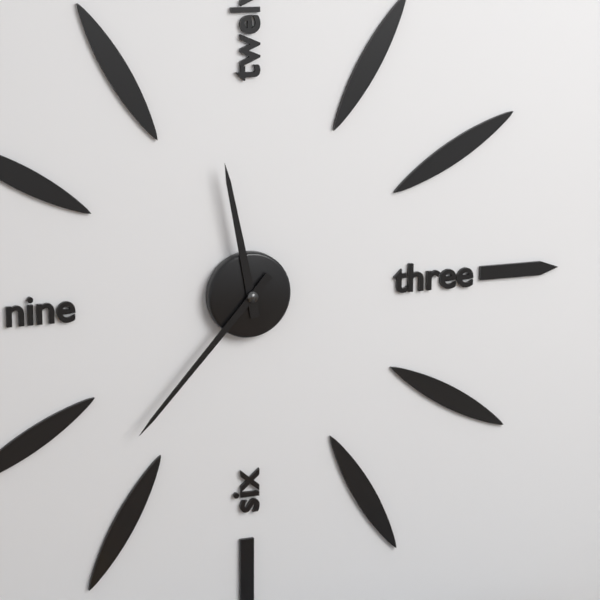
h=11 m=37
